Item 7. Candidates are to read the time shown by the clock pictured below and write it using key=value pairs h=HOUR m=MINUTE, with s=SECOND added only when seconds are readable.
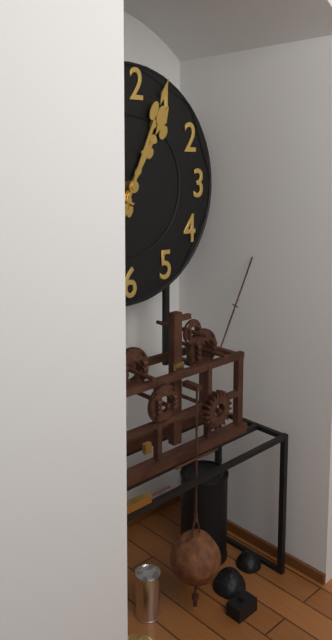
h=1 m=4
